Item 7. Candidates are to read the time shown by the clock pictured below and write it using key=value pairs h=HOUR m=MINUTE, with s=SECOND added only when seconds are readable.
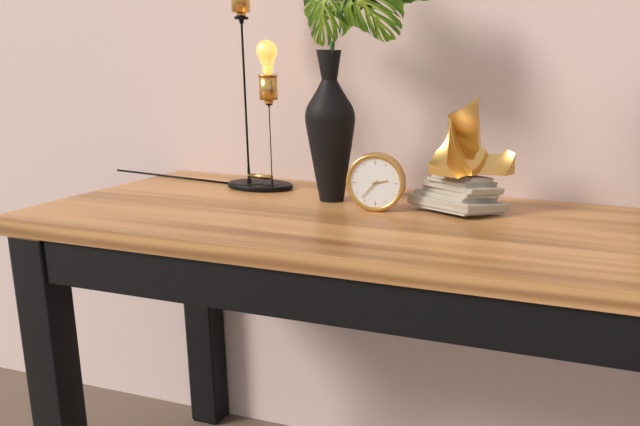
h=2 m=37
